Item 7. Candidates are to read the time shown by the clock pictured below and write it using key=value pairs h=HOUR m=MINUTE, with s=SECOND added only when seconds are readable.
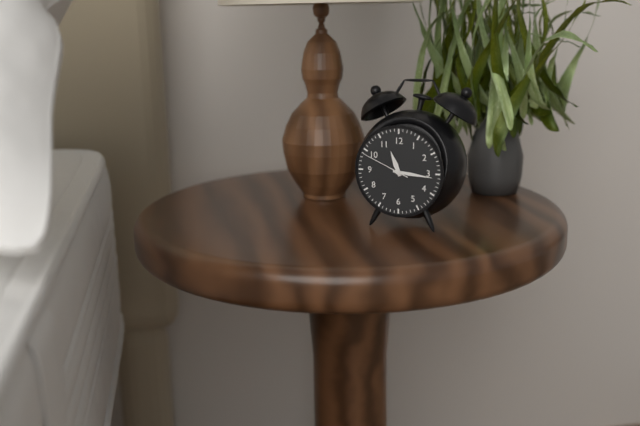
h=11 m=16
